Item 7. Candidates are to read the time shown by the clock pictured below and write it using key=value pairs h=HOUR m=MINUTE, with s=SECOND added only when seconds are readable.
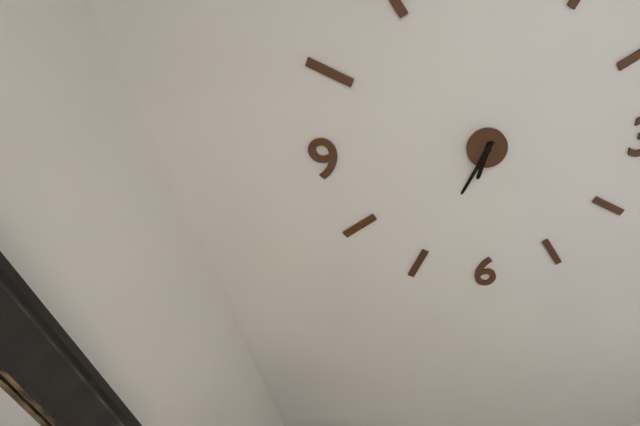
h=6 m=35
